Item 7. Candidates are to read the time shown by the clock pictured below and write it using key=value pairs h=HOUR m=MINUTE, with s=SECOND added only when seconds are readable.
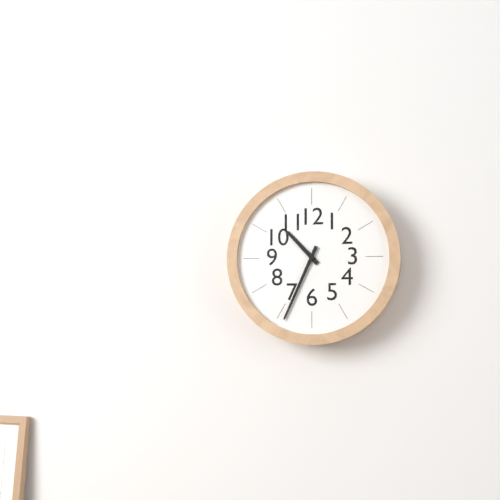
h=10 m=34
